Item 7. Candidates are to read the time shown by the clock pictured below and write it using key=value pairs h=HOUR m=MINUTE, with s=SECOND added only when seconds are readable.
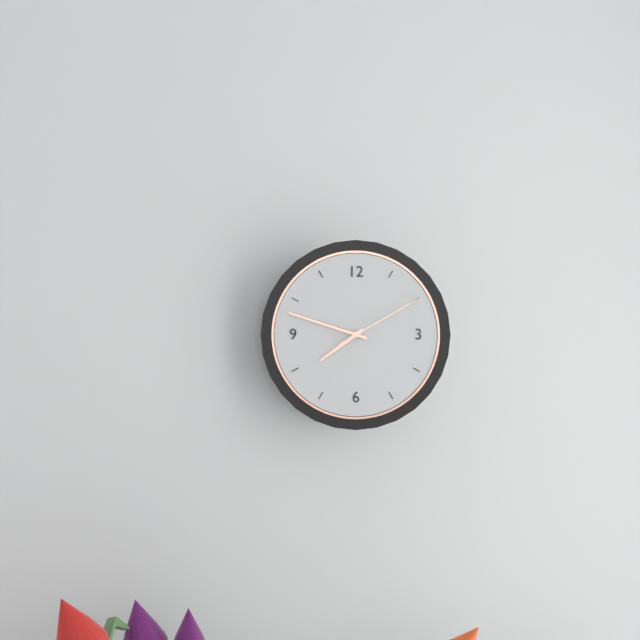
h=7 m=48 s=10
